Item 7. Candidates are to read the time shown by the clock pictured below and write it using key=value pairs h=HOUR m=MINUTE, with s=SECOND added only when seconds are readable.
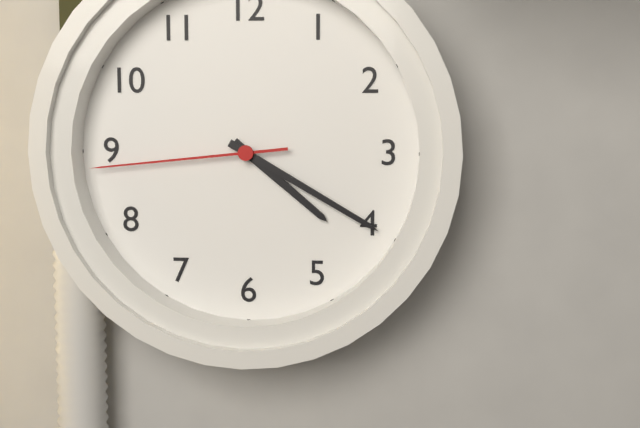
h=4 m=20 s=44
